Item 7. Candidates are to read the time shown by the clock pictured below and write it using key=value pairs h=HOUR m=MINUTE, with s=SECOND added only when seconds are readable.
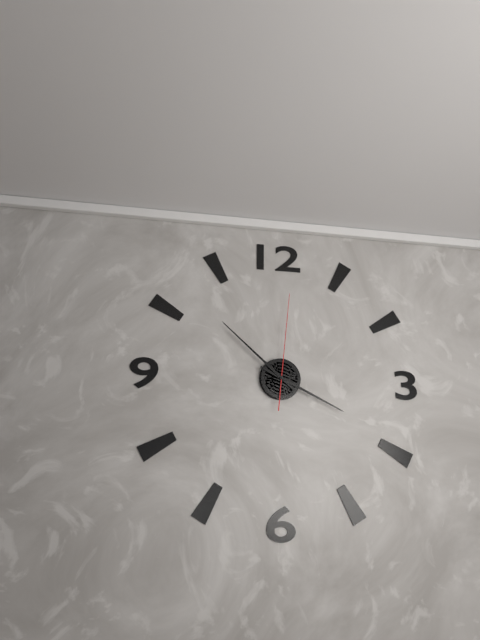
h=3 m=52 s=1
